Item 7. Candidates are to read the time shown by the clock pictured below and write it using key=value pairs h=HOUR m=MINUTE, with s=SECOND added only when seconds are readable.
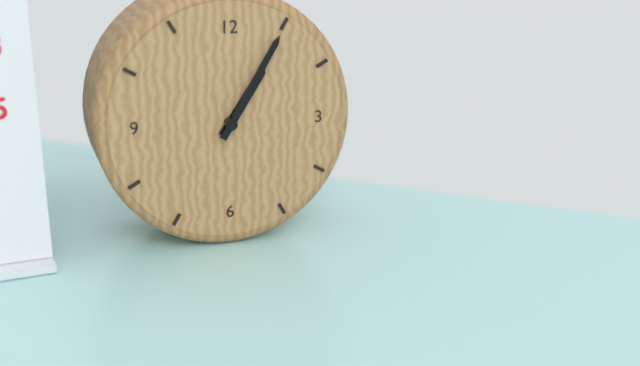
h=1 m=5
